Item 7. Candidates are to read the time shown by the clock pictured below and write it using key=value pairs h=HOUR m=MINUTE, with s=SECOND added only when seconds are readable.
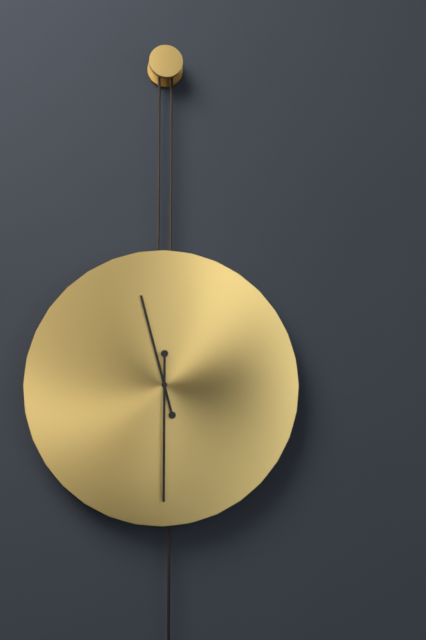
h=11 m=30
